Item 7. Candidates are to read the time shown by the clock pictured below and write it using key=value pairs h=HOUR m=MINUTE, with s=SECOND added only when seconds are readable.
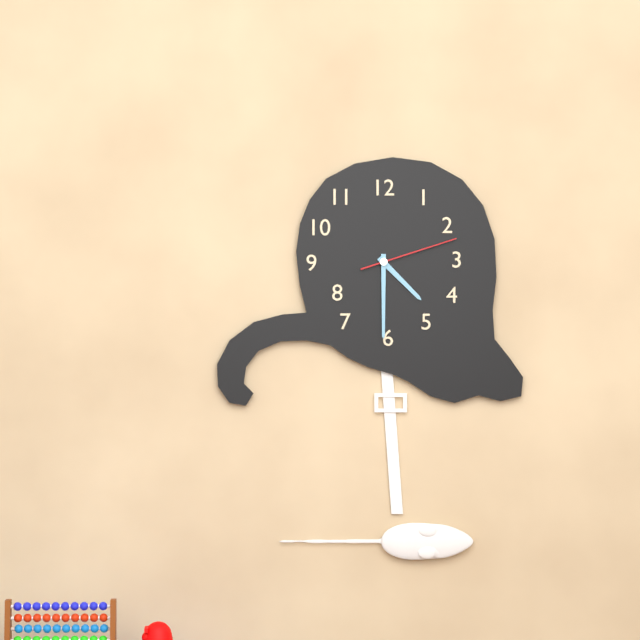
h=4 m=30 s=12
